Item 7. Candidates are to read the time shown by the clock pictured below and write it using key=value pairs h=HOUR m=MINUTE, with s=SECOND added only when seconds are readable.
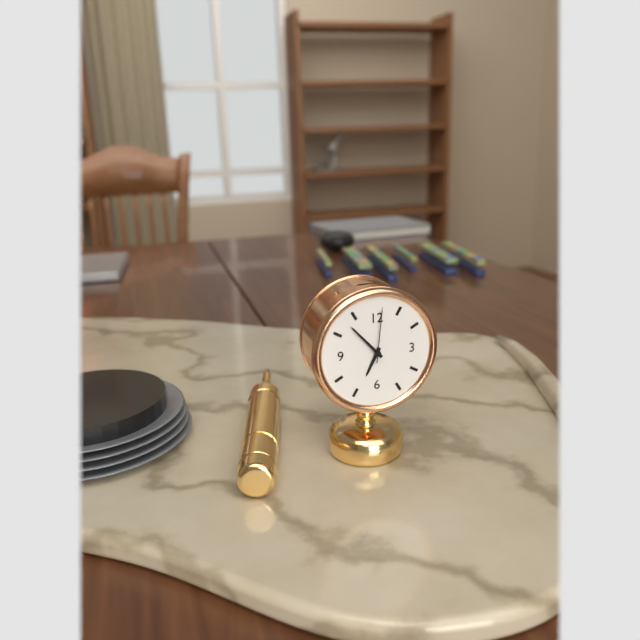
h=6 m=53 s=1
